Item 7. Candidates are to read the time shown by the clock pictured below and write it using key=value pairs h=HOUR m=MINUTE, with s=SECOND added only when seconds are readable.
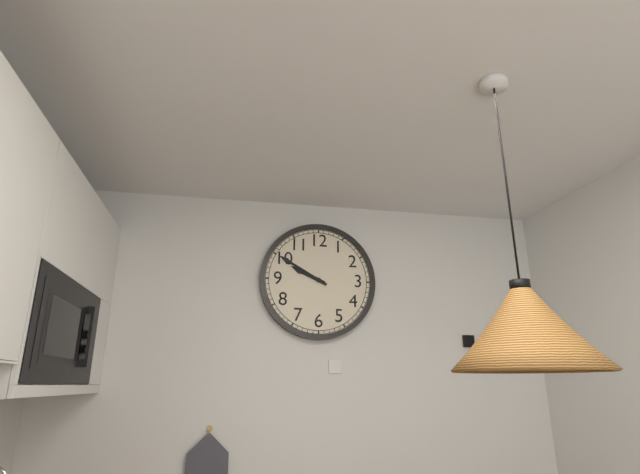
h=9 m=50
